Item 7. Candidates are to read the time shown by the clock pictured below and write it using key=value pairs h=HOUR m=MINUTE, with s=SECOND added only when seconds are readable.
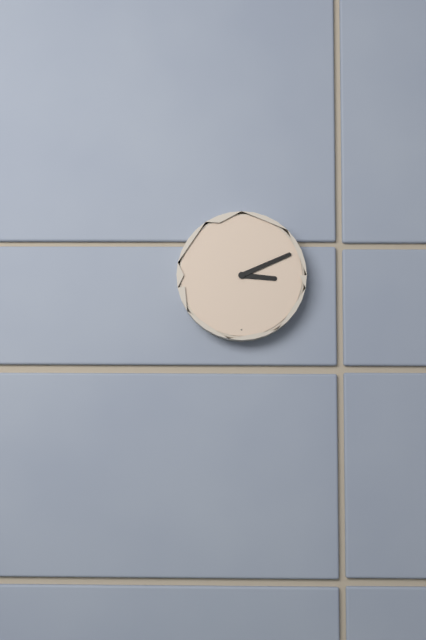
h=3 m=11
